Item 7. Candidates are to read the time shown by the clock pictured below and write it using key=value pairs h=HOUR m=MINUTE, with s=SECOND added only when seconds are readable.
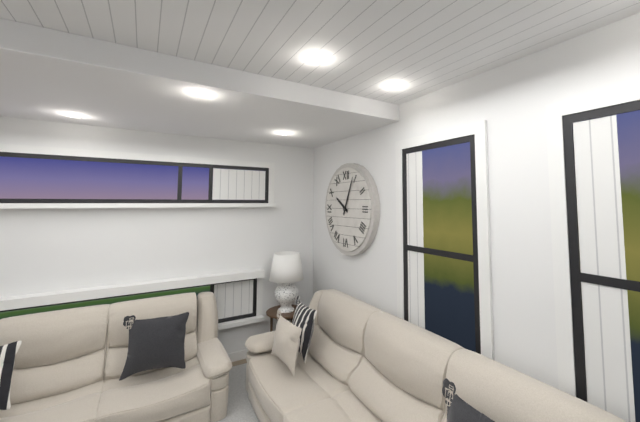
h=10 m=4
